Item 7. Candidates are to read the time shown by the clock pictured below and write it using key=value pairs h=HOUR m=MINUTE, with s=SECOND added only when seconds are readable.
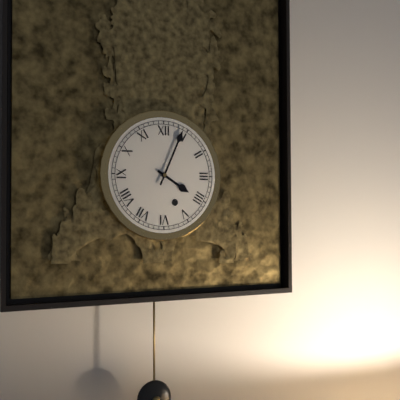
h=4 m=4
